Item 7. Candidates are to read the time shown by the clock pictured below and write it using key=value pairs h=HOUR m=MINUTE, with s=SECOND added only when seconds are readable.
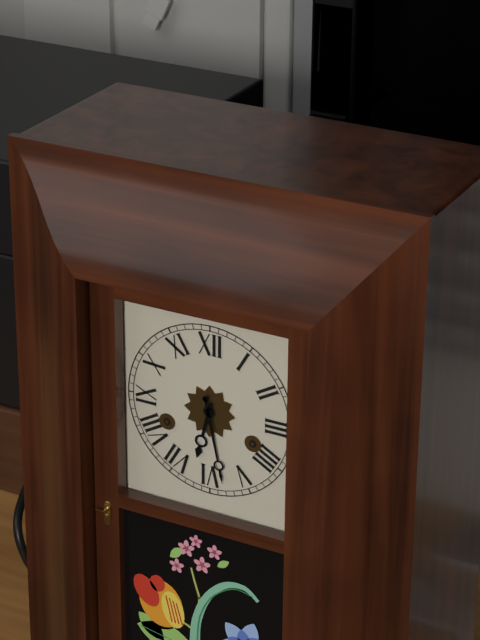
h=6 m=28
